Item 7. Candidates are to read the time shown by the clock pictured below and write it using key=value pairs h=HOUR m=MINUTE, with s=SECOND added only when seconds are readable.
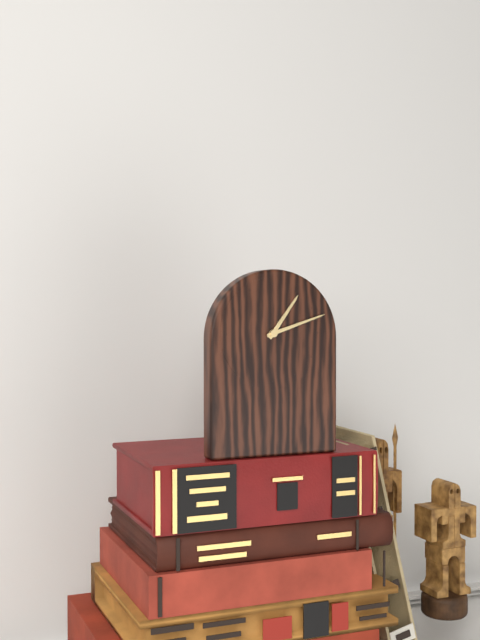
h=1 m=12
